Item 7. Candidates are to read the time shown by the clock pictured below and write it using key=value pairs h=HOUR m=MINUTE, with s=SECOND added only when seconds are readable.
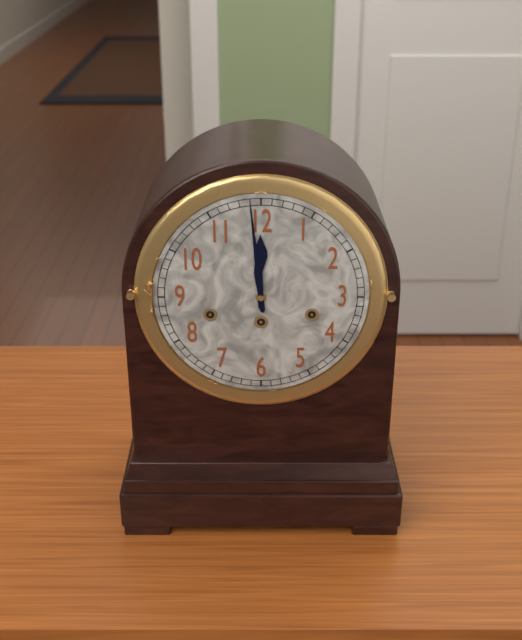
h=11 m=59
